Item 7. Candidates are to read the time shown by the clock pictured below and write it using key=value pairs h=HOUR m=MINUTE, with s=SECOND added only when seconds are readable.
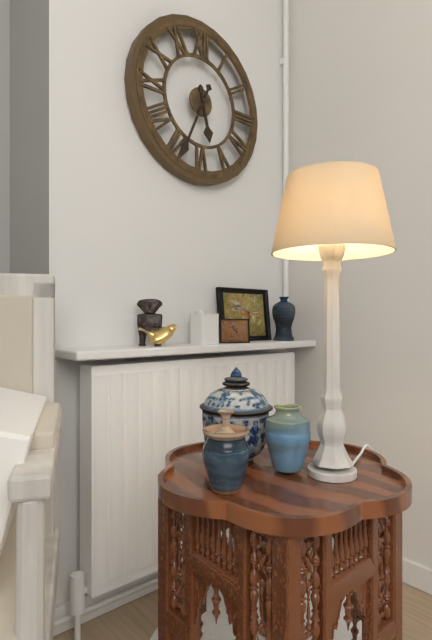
h=5 m=34
